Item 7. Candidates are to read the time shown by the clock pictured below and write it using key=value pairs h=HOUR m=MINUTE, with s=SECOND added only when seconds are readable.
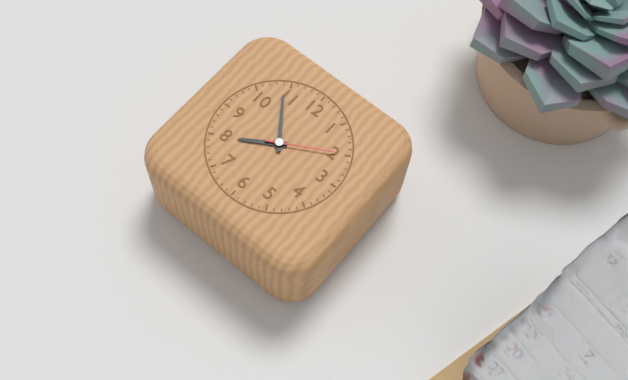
h=7 m=54 s=10
